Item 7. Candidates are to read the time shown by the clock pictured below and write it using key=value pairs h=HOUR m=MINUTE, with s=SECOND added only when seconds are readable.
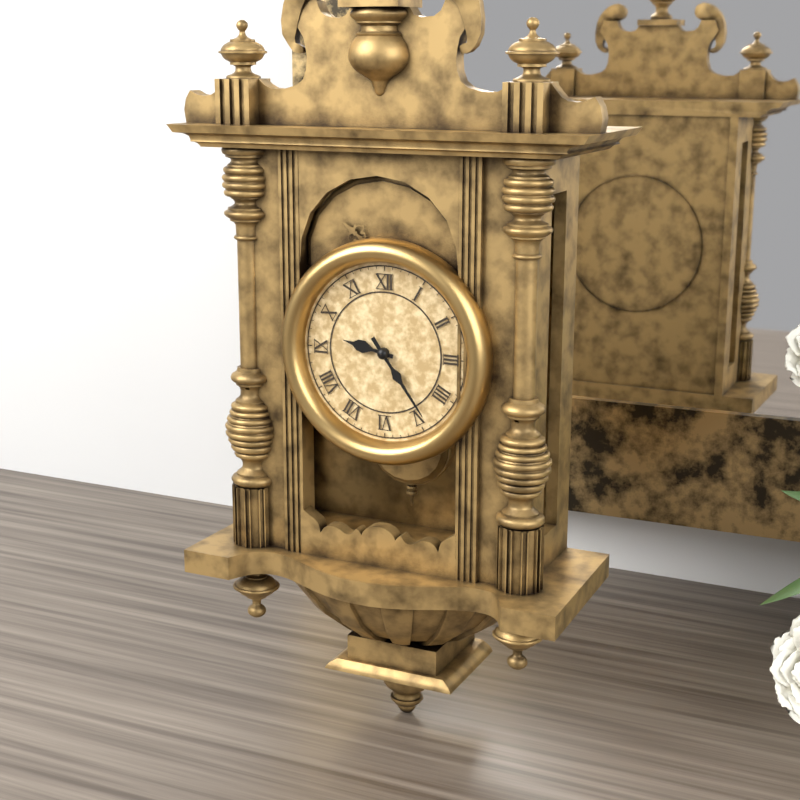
h=9 m=24
